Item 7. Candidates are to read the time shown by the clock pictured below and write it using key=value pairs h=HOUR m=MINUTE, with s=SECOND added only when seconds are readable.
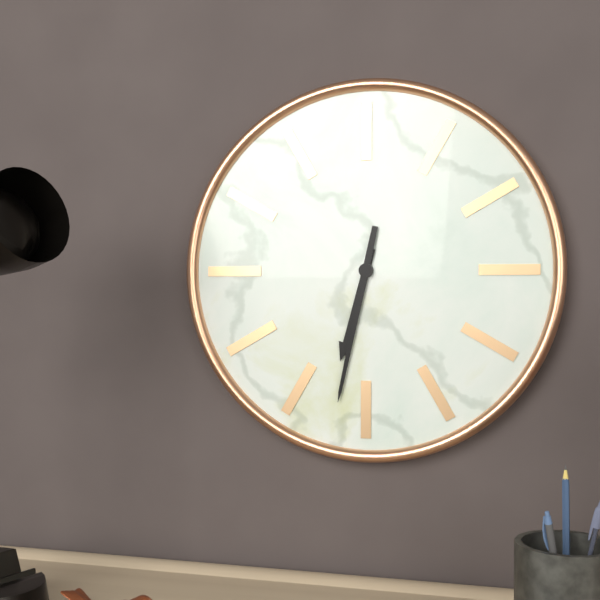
h=6 m=32
